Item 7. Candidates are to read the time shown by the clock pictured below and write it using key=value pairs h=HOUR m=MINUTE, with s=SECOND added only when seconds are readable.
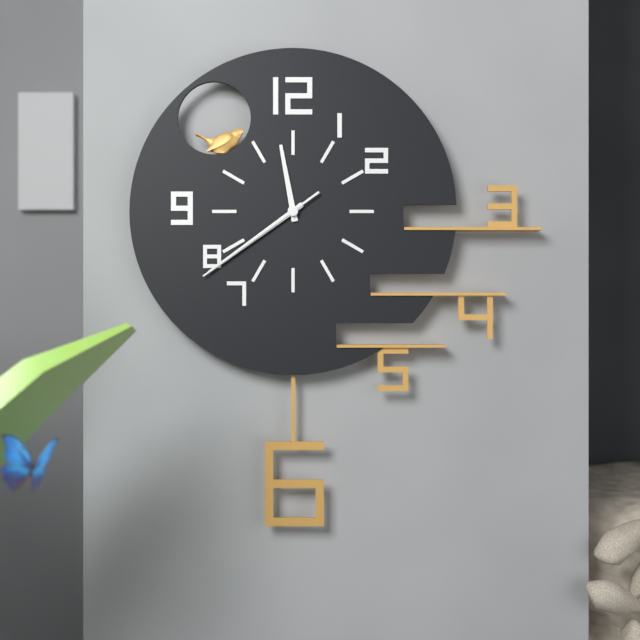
h=11 m=39 s=39
